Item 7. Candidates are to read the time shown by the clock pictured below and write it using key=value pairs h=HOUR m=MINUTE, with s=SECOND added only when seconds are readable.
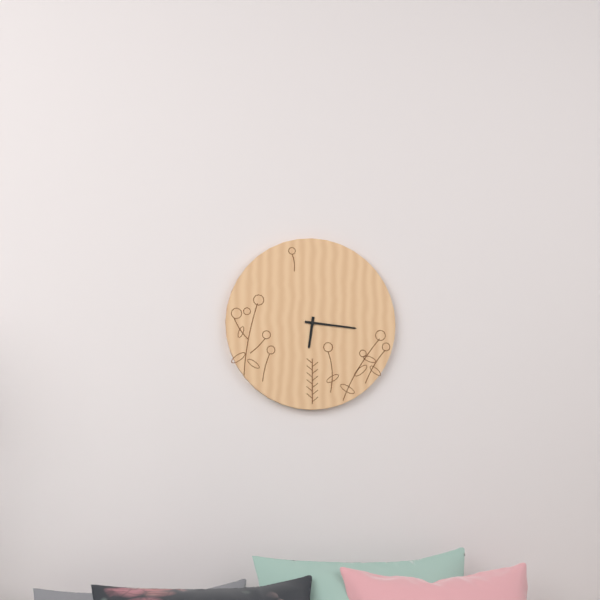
h=6 m=16
